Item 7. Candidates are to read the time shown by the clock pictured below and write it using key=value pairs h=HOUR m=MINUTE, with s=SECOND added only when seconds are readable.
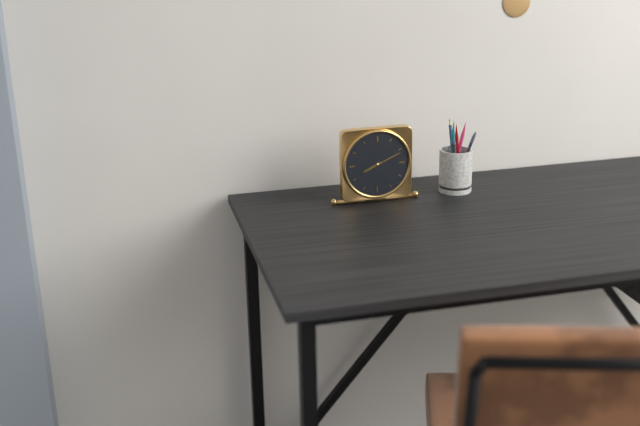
h=8 m=11
